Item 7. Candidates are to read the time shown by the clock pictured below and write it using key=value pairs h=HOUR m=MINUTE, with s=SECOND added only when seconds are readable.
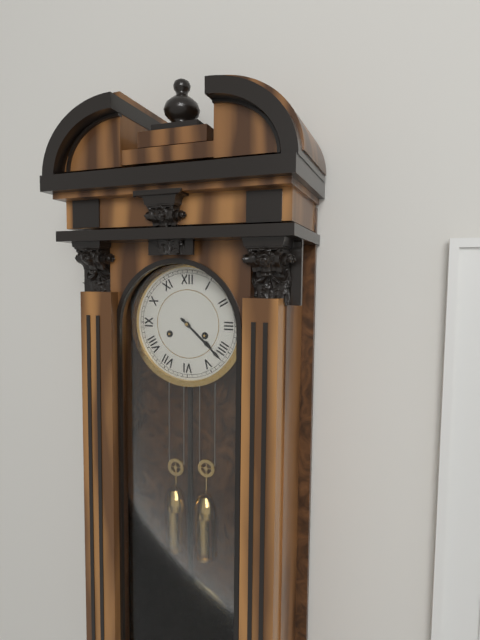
h=4 m=22
